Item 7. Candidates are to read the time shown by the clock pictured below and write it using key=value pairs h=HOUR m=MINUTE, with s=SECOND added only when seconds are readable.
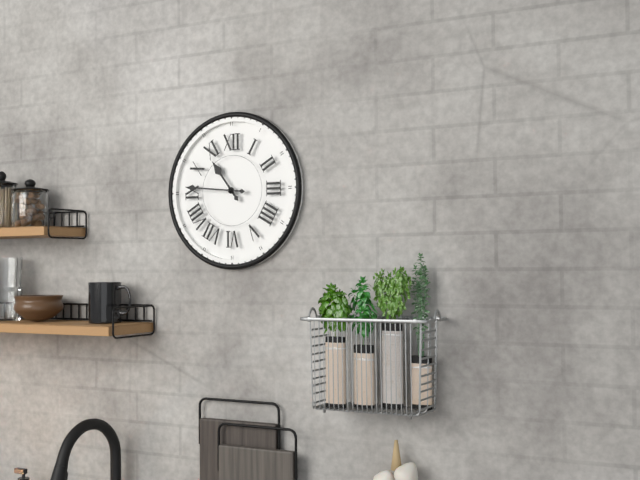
h=10 m=46
